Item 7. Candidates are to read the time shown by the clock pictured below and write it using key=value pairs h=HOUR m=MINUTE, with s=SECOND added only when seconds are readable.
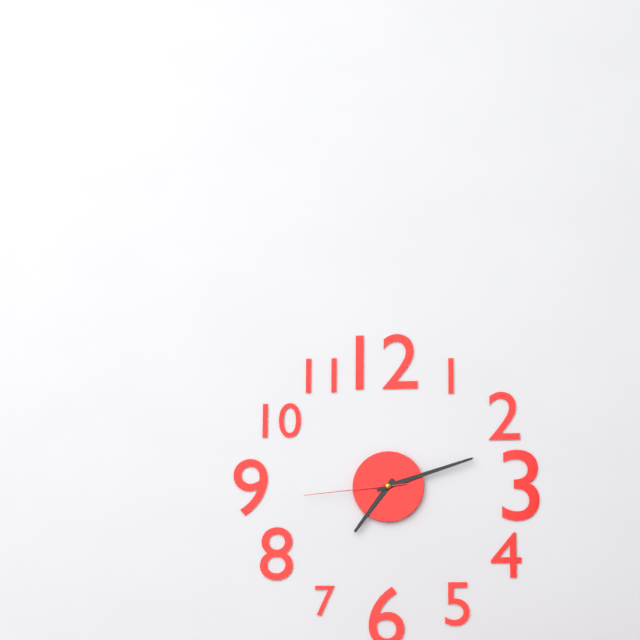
h=7 m=12 s=44
